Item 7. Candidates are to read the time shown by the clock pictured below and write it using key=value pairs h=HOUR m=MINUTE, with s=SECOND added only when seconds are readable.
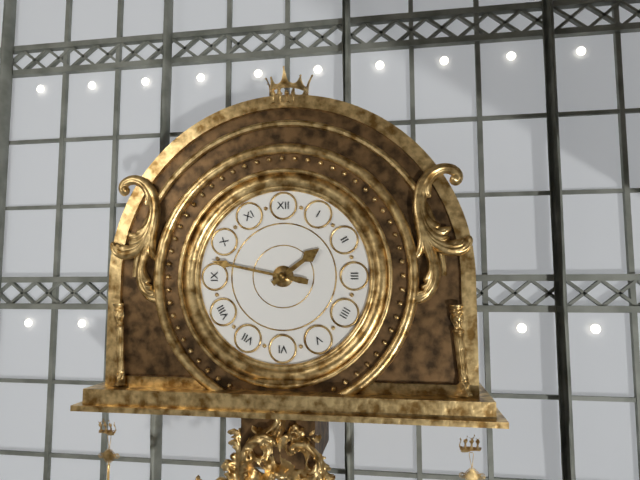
h=1 m=47
